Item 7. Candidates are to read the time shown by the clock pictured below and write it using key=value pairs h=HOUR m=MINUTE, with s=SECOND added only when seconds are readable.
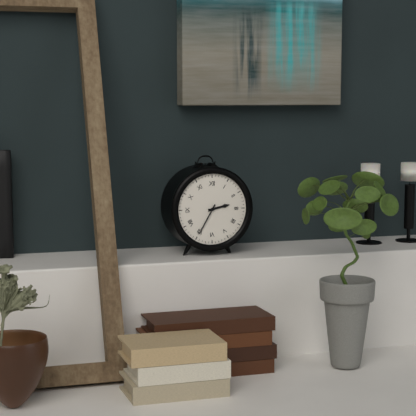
h=2 m=35
